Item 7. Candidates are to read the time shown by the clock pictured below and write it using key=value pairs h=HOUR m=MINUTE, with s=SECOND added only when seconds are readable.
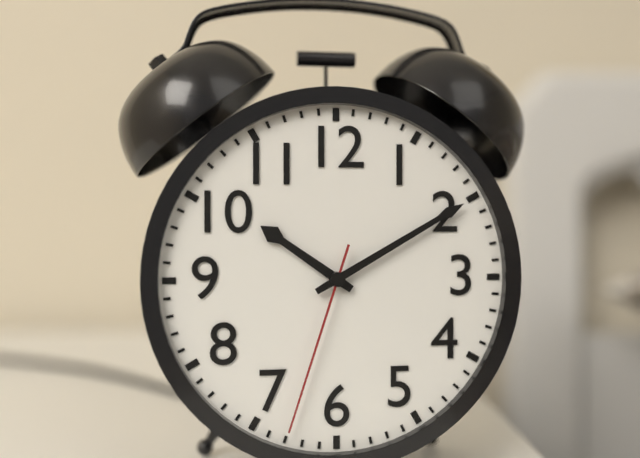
h=10 m=10 s=33
